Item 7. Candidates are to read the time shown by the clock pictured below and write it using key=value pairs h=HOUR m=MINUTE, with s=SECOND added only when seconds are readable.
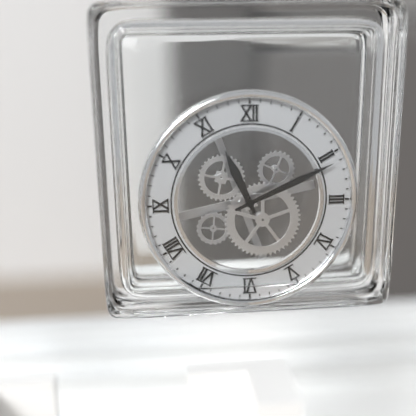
h=11 m=11
